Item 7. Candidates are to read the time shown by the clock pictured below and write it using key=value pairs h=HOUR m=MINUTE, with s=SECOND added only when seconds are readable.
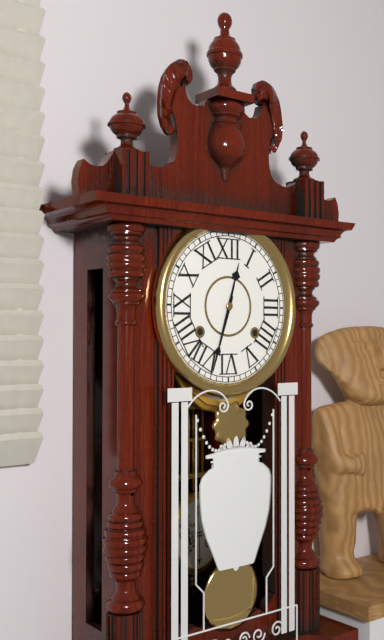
h=12 m=33
